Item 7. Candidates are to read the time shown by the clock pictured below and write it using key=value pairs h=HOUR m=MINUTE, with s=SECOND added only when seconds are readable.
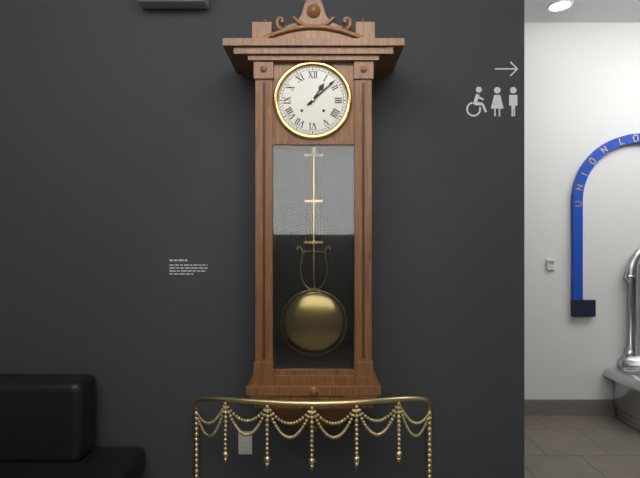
h=1 m=8
